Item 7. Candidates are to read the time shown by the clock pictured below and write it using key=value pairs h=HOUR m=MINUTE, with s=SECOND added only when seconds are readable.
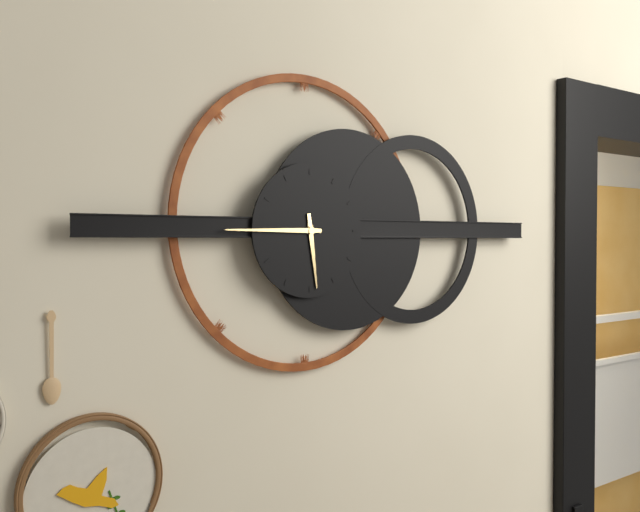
h=5 m=45
